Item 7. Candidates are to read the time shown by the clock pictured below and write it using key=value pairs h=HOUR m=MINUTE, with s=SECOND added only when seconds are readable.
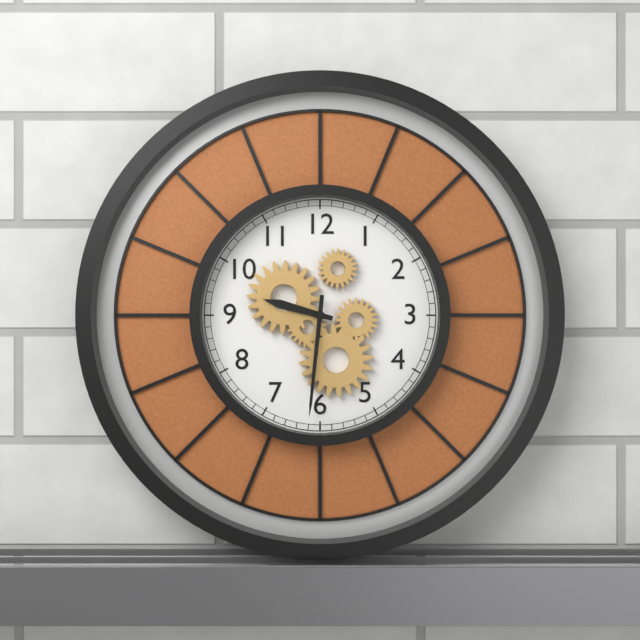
h=9 m=31
